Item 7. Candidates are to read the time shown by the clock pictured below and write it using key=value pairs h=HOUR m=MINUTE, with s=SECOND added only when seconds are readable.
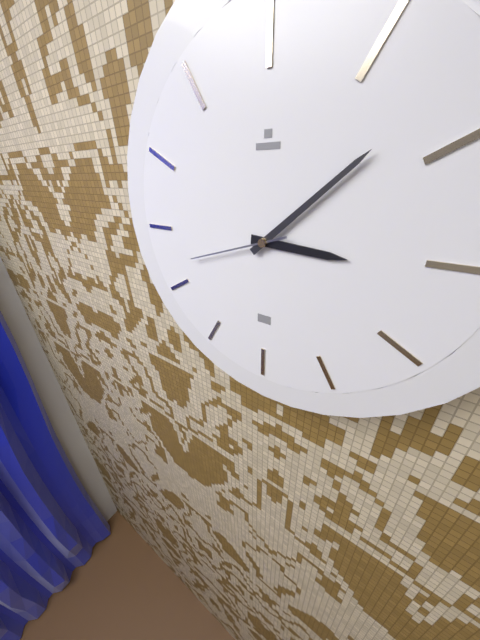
h=3 m=8 s=42
